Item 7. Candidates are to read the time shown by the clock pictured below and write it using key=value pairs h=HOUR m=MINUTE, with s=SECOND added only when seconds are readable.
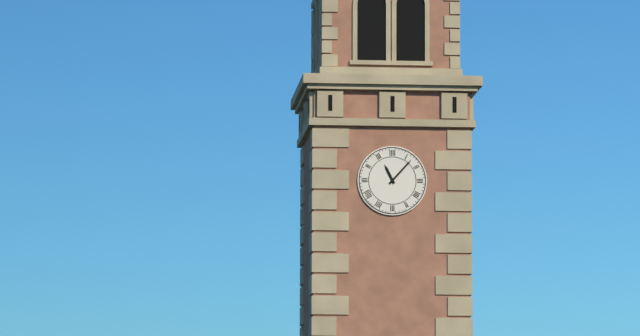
h=11 m=7
